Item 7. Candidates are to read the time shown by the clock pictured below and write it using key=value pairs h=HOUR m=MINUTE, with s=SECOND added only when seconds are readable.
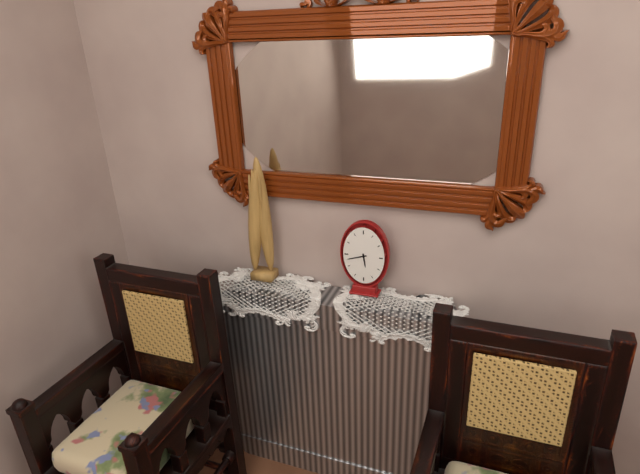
h=5 m=42
